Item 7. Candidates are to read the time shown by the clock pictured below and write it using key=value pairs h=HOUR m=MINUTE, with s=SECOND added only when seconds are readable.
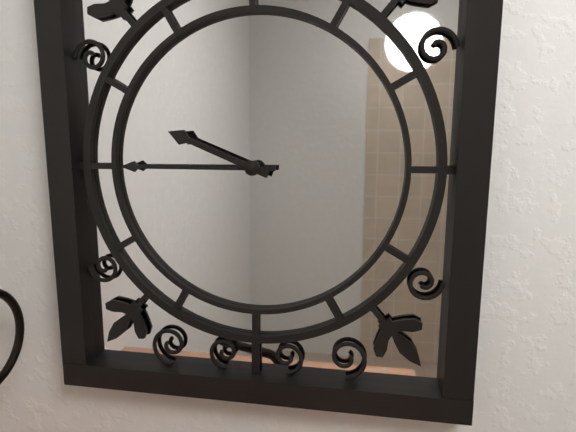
h=9 m=45
